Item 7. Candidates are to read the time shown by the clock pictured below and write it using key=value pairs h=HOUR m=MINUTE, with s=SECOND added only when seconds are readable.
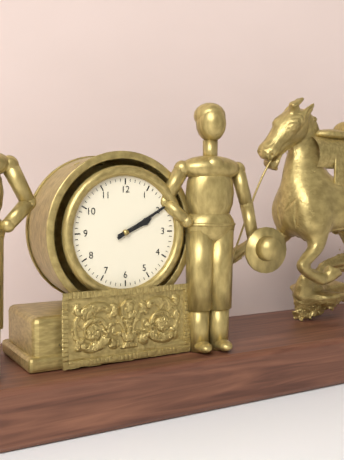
h=2 m=10
